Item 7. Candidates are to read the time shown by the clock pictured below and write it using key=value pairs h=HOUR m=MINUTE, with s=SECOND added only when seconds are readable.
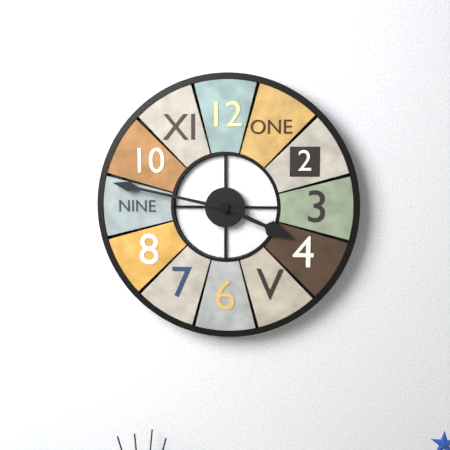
h=3 m=47
